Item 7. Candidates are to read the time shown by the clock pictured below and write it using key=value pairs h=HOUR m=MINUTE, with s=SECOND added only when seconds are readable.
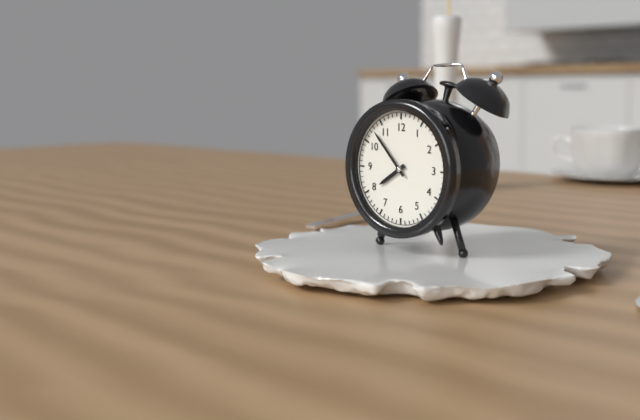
h=7 m=53
